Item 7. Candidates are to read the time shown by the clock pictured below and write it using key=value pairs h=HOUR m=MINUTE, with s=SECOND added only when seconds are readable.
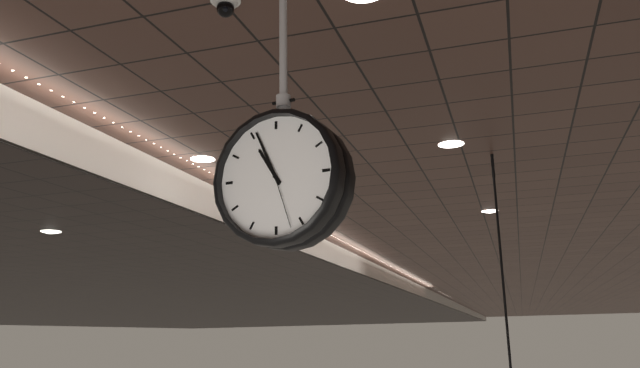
h=10 m=56 s=27
